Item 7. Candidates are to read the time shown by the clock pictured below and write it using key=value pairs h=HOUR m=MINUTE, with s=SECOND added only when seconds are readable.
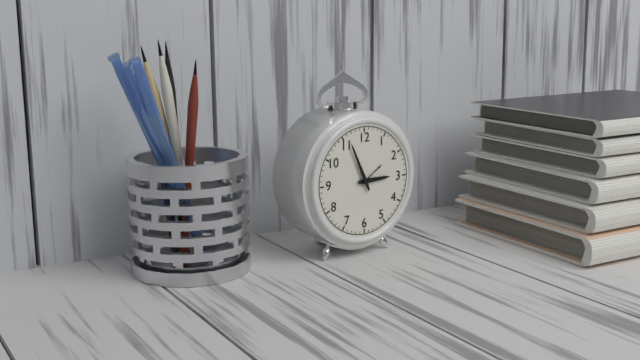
h=2 m=56
